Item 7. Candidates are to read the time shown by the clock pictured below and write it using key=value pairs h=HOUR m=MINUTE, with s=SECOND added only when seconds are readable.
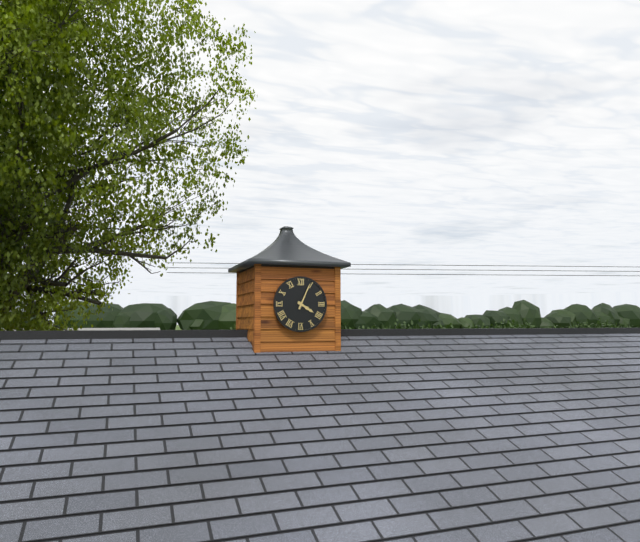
h=4 m=4
